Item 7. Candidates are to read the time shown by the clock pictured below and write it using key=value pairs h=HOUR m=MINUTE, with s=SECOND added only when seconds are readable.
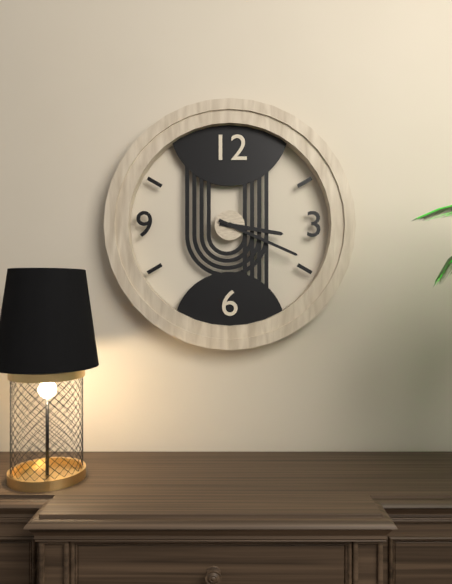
h=3 m=19
